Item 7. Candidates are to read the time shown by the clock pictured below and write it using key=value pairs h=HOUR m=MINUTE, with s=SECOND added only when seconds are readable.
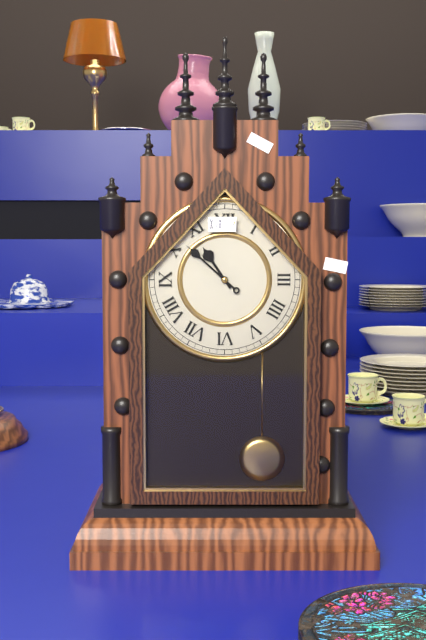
h=10 m=52
